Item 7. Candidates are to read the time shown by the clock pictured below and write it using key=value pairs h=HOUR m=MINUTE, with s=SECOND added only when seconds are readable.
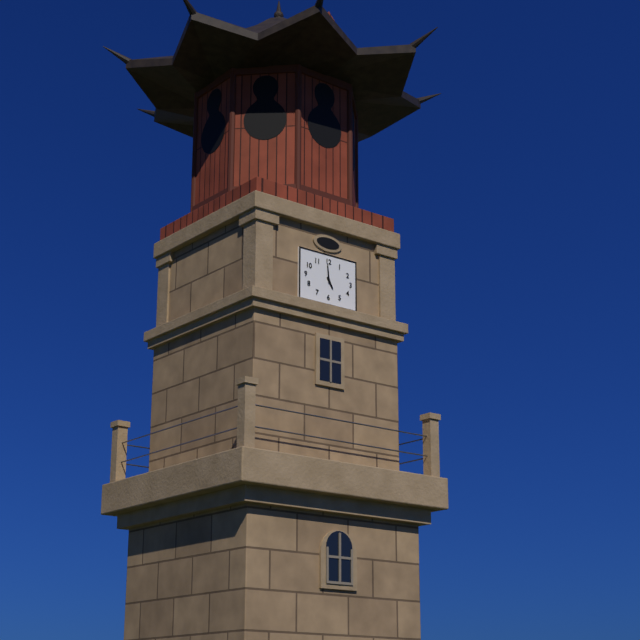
h=4 m=59
